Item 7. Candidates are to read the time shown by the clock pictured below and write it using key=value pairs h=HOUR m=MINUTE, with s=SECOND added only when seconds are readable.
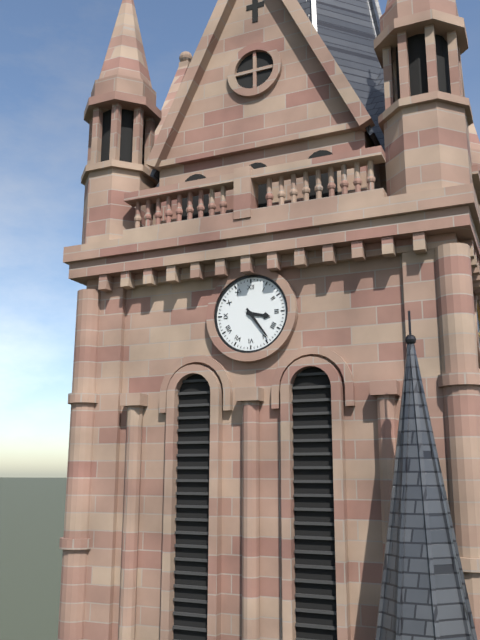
h=3 m=24
